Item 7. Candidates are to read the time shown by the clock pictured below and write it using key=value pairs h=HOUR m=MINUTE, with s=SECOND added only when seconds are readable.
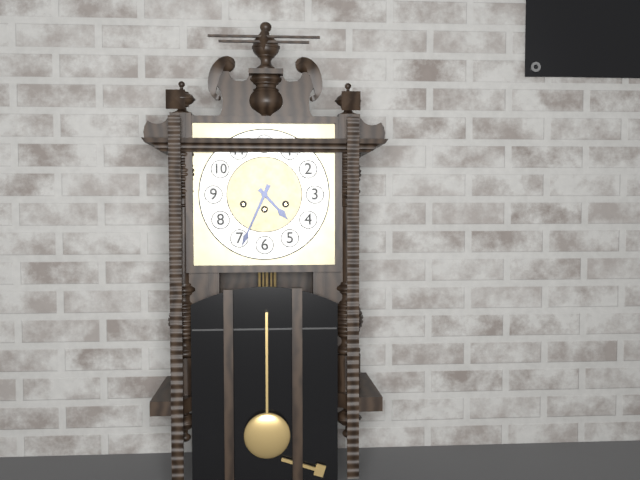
h=4 m=34
